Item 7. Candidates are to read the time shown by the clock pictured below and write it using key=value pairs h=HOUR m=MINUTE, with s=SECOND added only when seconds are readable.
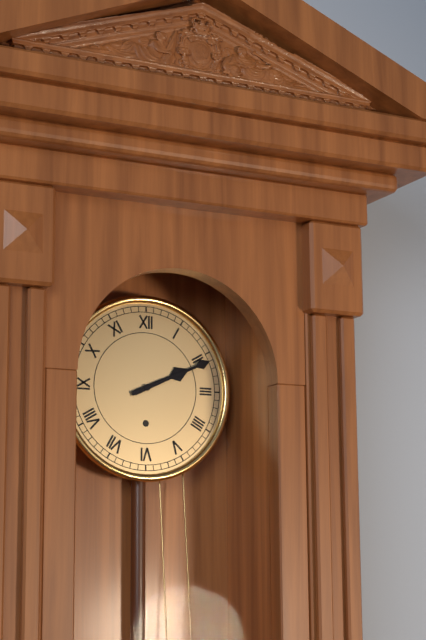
h=2 m=11
